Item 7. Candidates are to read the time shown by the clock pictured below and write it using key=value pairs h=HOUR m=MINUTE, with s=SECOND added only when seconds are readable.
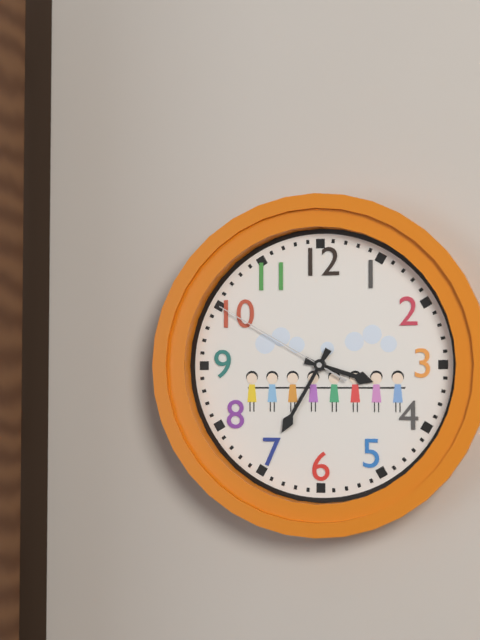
h=3 m=35 s=50
